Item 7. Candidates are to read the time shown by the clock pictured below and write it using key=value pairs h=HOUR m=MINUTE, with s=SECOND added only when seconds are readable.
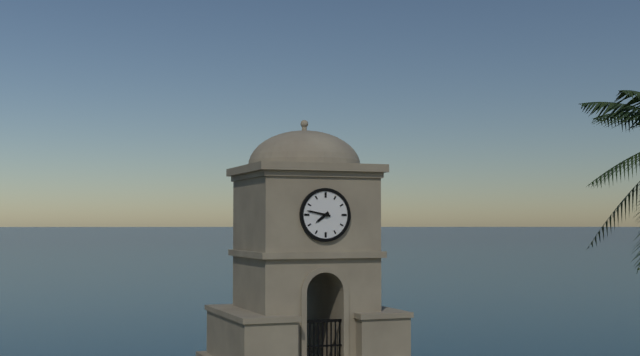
h=7 m=47
